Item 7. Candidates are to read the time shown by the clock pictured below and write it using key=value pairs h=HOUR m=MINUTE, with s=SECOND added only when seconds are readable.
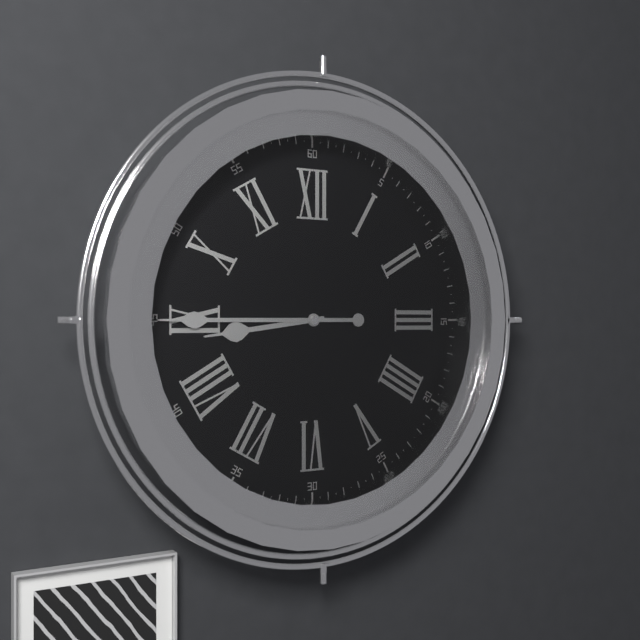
h=8 m=45
